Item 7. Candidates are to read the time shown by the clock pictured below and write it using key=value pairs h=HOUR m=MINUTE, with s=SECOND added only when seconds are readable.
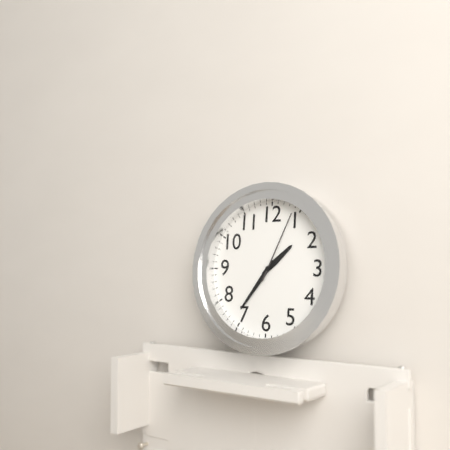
h=1 m=36 s=4
